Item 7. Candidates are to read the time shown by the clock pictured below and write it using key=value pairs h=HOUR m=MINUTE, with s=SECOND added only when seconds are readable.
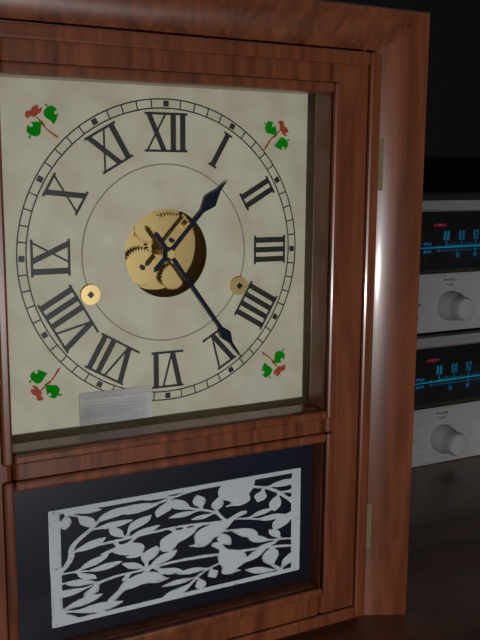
h=1 m=24
